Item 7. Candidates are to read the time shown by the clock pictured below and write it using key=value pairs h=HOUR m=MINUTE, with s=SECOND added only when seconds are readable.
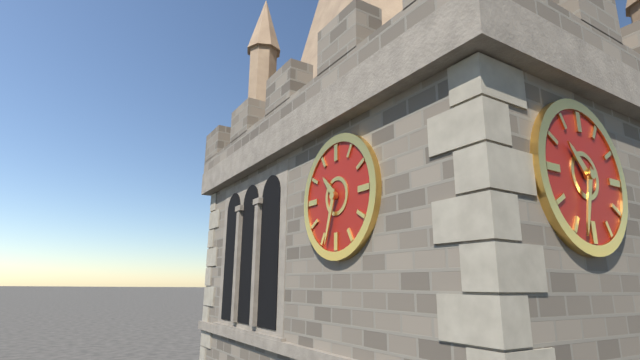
h=10 m=33
